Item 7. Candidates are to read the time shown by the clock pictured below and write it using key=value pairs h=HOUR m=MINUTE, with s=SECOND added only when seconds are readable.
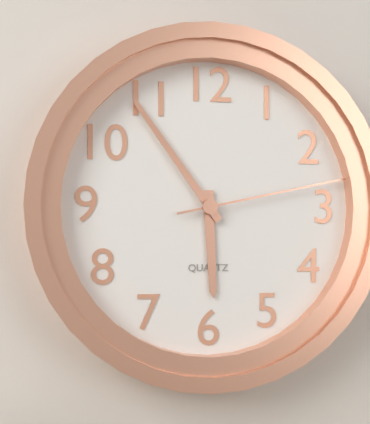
h=5 m=54 s=13
